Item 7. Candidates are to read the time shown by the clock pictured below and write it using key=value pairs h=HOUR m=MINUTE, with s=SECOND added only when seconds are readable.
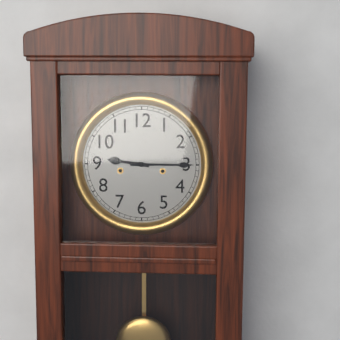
h=9 m=15
